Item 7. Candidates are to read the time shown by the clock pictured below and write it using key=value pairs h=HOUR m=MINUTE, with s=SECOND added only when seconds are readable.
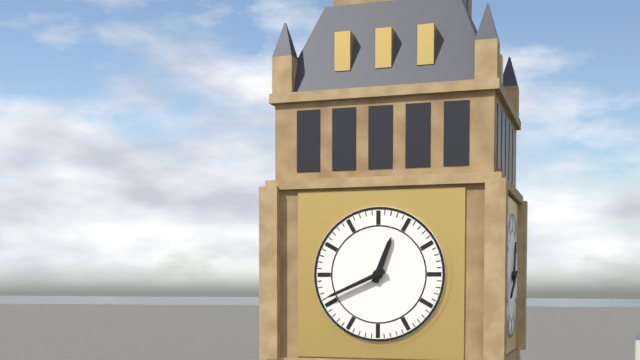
h=12 m=41
